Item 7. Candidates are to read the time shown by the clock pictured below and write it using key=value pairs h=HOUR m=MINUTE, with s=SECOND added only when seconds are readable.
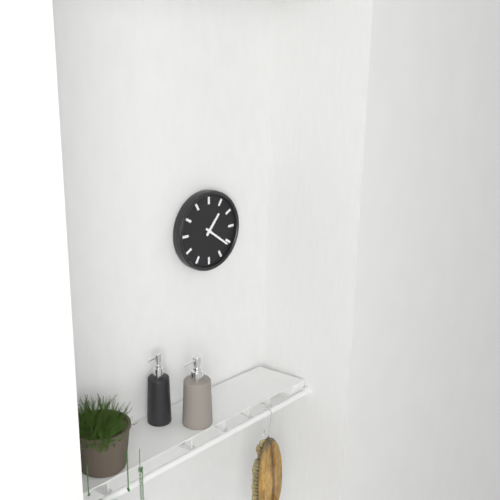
h=1 m=21
